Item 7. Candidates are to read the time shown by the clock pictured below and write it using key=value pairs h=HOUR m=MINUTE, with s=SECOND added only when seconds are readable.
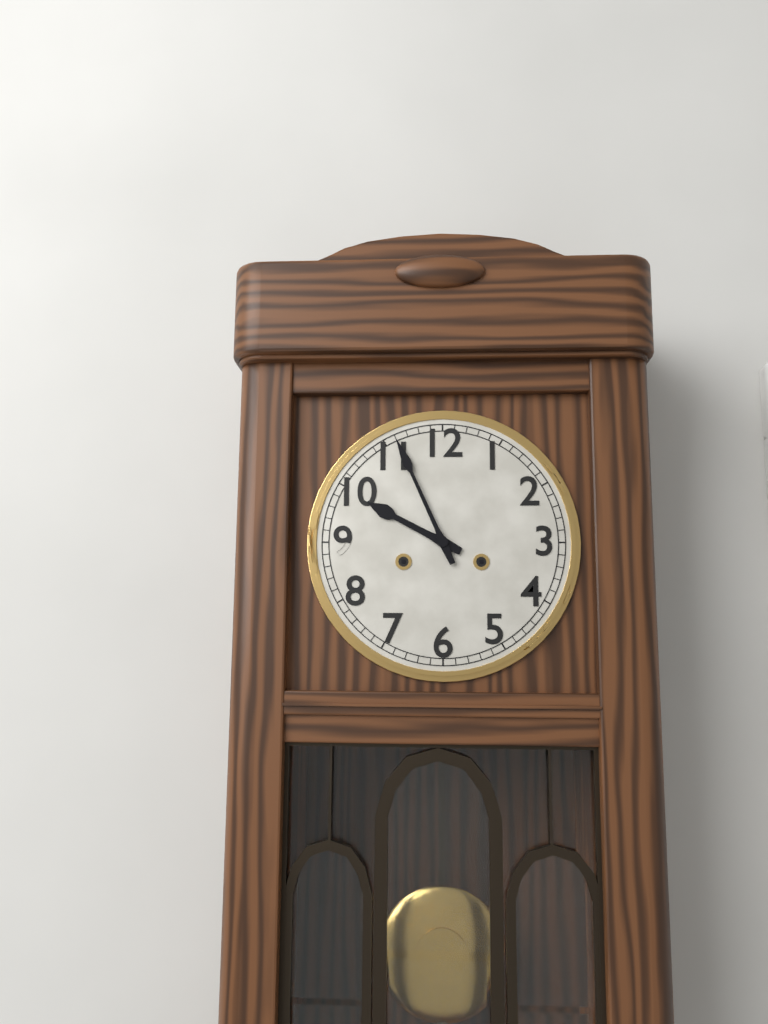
h=9 m=56
